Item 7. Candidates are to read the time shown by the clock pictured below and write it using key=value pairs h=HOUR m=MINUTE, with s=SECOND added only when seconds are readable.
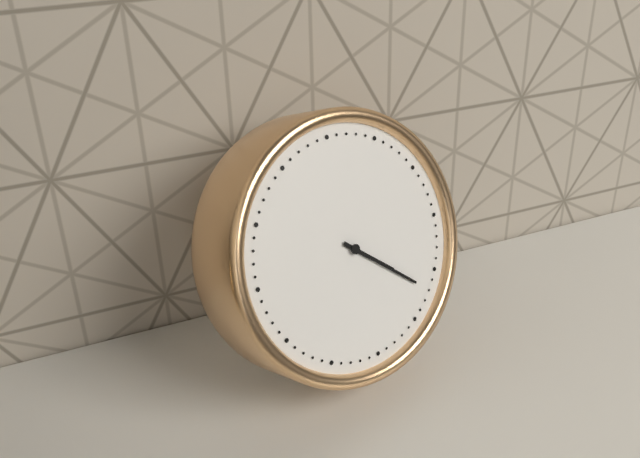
h=4 m=22
